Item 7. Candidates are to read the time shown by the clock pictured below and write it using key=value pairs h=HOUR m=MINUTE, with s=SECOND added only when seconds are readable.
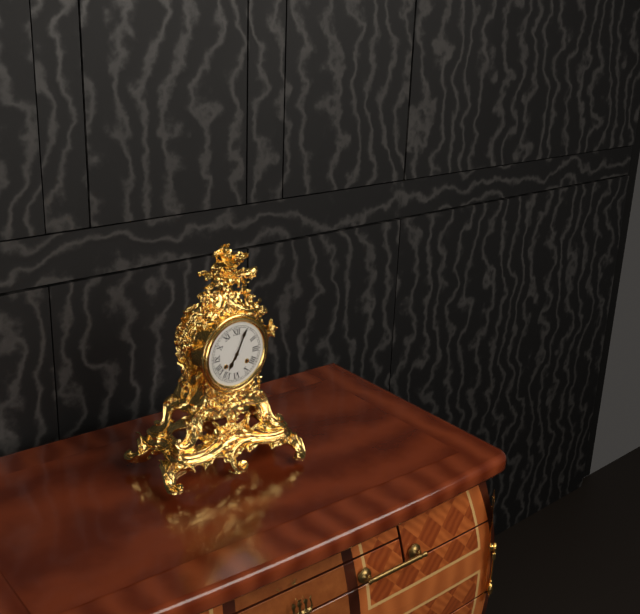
h=7 m=4
